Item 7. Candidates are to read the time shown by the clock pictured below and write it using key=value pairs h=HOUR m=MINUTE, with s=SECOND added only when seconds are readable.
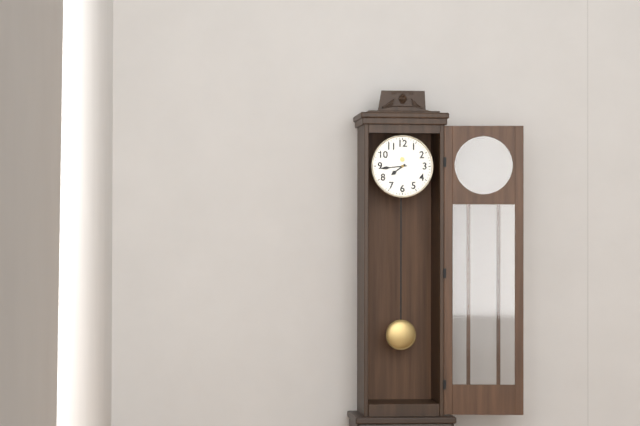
h=7 m=44
